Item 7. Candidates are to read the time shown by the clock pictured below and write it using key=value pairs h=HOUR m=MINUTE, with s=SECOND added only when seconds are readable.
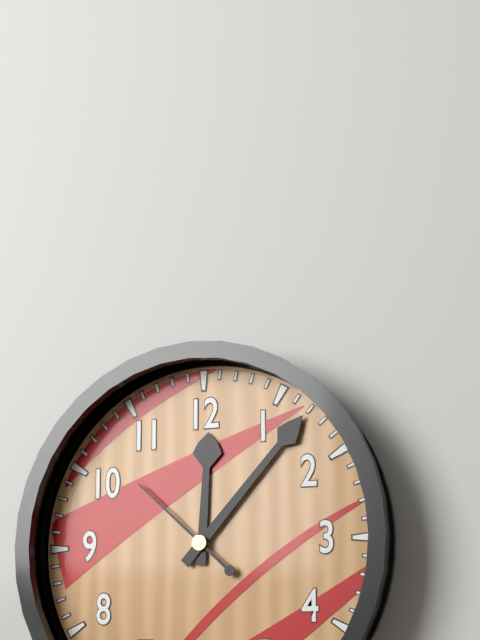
h=12 m=7 s=52
